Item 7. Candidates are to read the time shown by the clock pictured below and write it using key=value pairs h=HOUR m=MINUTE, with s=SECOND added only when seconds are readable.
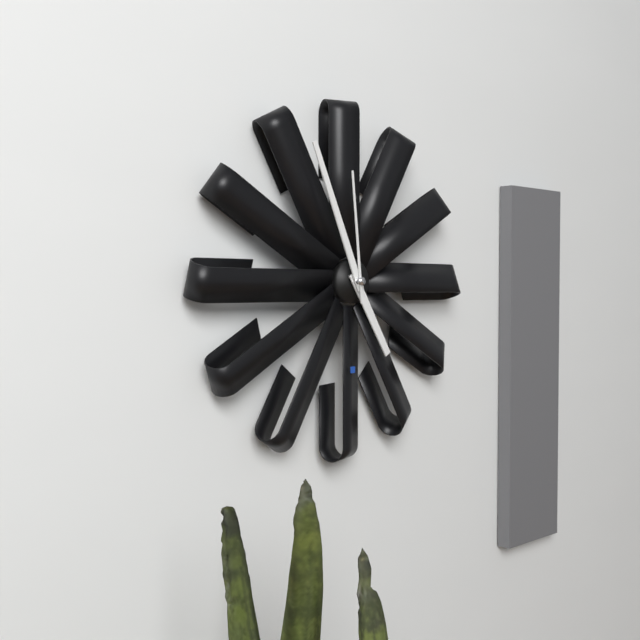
h=4 m=56 s=59
